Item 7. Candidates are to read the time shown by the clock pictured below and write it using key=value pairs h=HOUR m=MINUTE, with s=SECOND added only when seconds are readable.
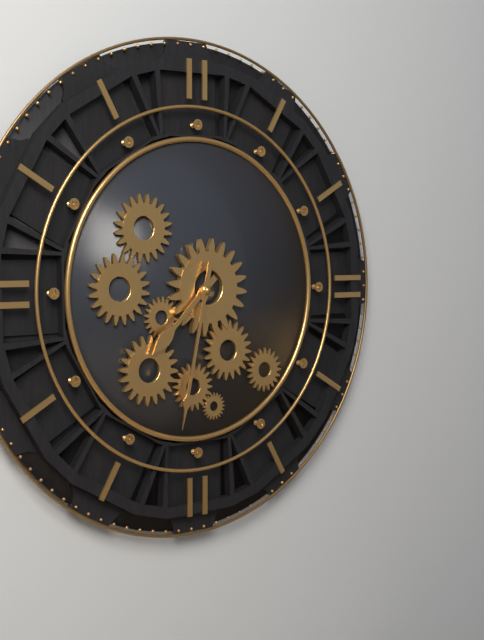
h=7 m=32
